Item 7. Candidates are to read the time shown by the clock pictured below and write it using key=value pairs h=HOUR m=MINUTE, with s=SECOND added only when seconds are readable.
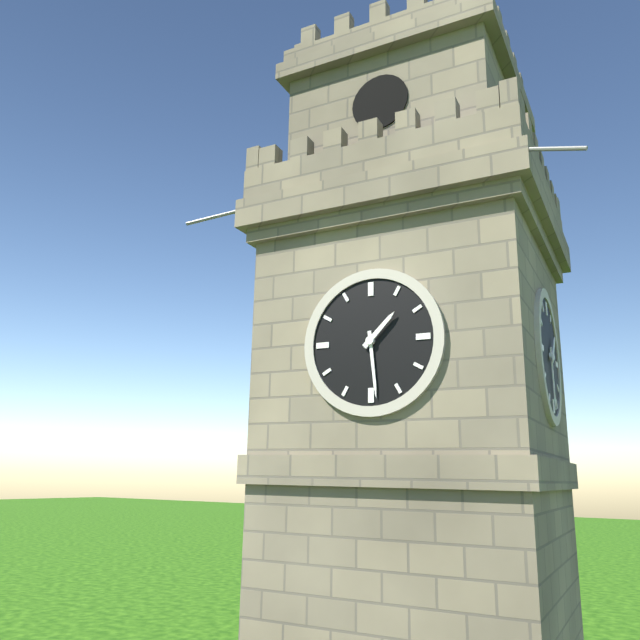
h=1 m=29
